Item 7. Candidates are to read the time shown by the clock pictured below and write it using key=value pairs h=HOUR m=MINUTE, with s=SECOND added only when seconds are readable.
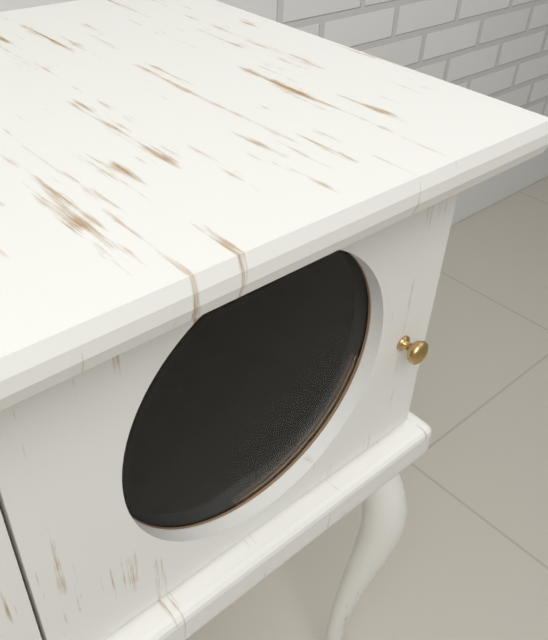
h=3 m=58 s=18
